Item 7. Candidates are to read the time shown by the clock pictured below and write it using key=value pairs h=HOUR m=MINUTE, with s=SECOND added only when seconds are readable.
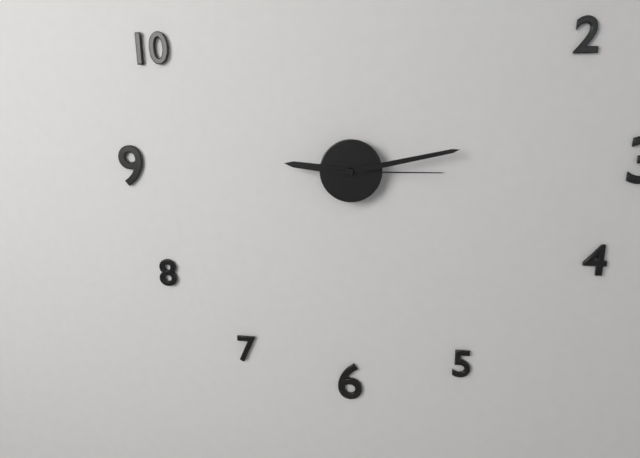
h=9 m=13 s=15
